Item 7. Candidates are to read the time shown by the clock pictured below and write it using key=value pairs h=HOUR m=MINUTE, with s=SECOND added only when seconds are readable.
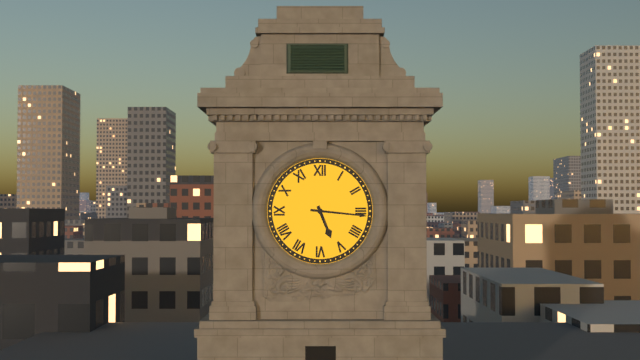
h=5 m=16
